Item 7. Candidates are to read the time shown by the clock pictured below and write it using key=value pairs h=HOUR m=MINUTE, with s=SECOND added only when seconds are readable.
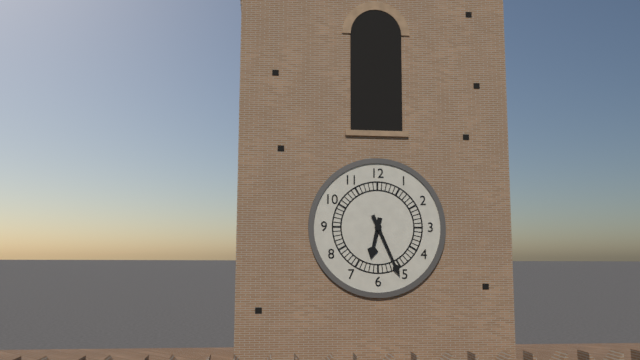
h=6 m=26
